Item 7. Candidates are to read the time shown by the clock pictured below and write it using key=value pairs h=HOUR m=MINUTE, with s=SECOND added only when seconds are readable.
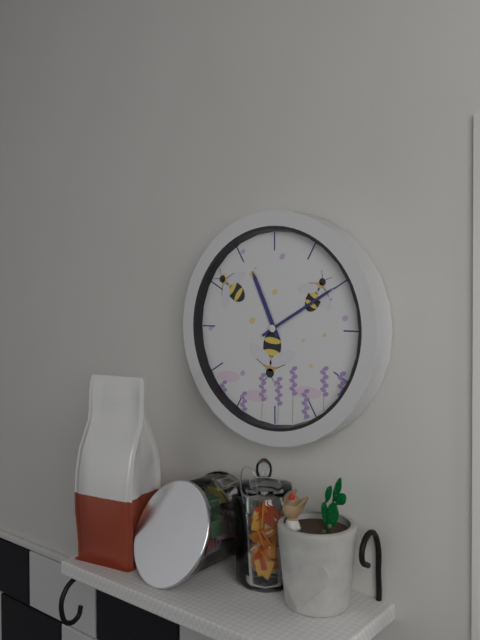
h=11 m=10
